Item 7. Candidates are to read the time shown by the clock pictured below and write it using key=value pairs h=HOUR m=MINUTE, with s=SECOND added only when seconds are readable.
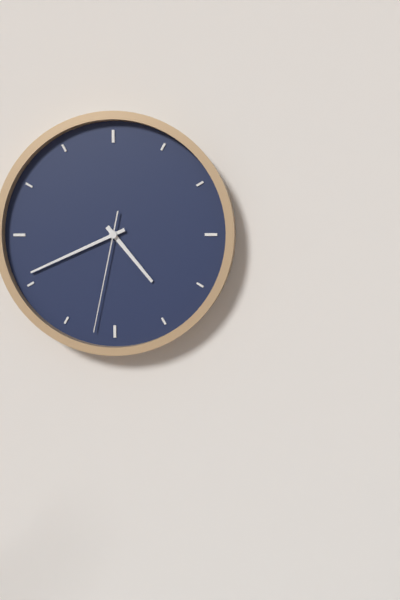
h=4 m=41 s=32
